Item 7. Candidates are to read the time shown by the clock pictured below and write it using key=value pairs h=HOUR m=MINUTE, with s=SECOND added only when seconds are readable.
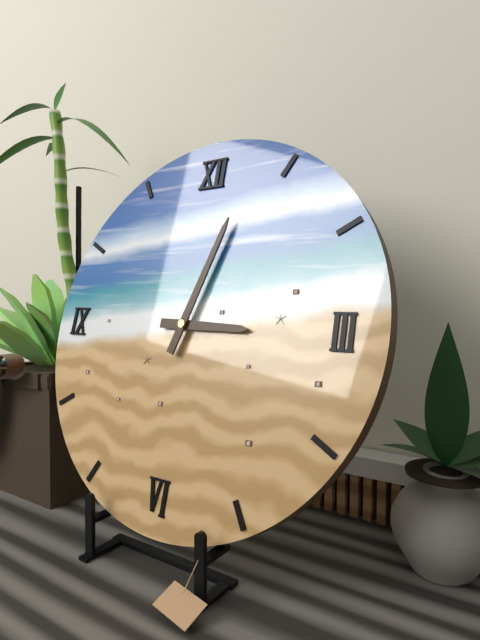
h=3 m=3
